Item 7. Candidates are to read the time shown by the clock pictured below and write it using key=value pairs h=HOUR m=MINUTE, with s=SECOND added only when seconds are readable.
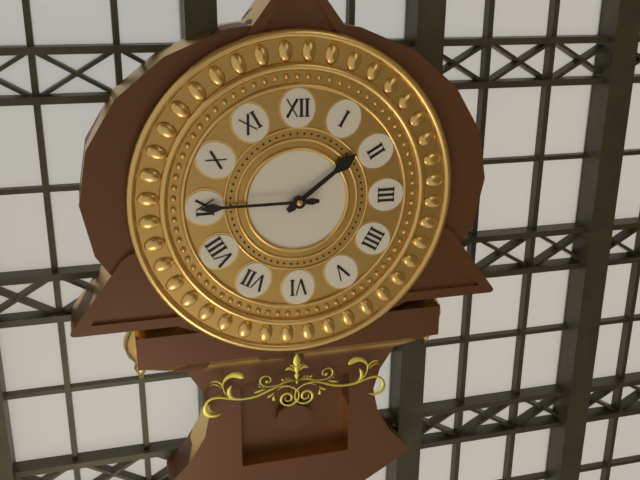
h=1 m=45
